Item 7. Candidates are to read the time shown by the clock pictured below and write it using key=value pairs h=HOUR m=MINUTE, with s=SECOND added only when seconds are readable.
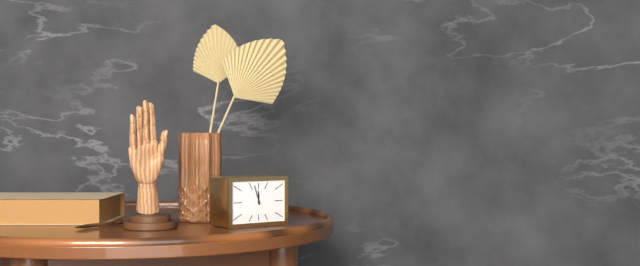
h=11 m=57
